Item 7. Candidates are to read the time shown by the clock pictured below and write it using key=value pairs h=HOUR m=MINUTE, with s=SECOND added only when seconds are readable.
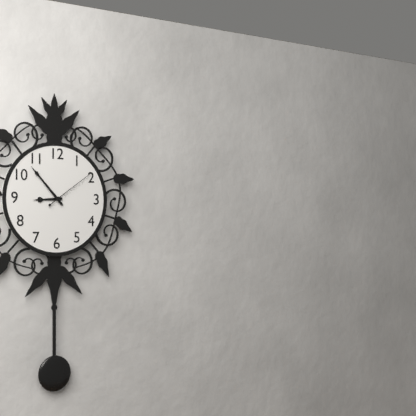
h=8 m=53 s=9
